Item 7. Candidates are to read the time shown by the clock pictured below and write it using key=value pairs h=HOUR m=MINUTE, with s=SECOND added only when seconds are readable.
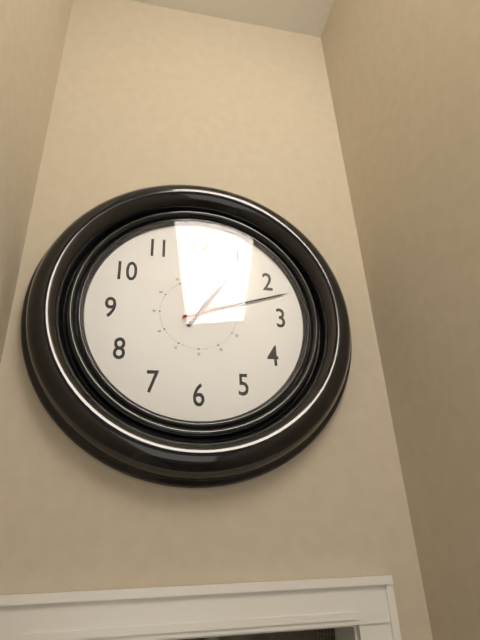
h=1 m=12 s=11
